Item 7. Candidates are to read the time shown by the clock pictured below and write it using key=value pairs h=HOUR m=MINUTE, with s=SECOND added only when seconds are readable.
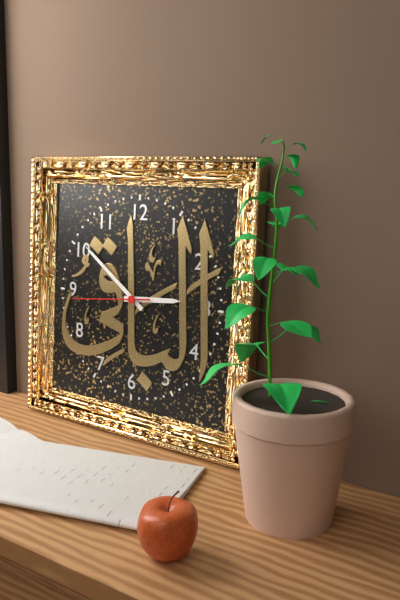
h=2 m=51 s=44
